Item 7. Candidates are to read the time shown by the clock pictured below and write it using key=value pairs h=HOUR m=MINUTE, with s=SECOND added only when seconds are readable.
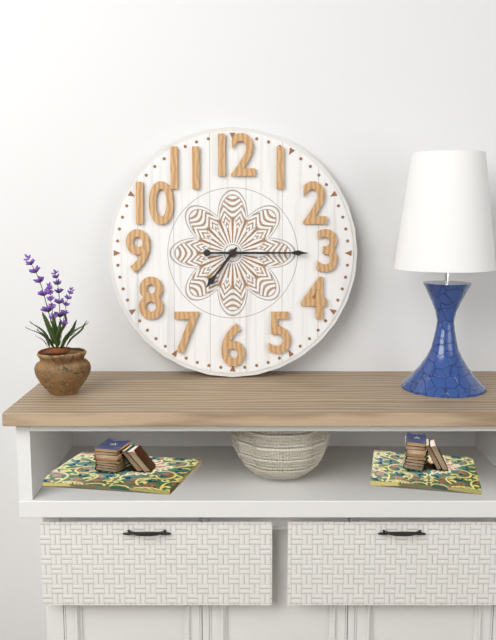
h=7 m=15
